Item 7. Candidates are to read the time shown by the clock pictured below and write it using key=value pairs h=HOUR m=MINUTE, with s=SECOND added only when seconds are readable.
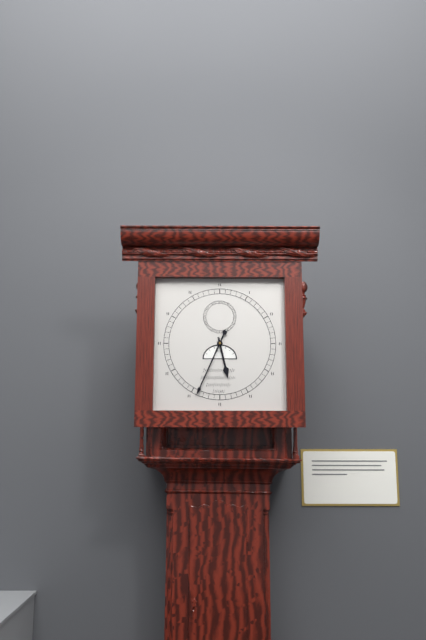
h=5 m=34
